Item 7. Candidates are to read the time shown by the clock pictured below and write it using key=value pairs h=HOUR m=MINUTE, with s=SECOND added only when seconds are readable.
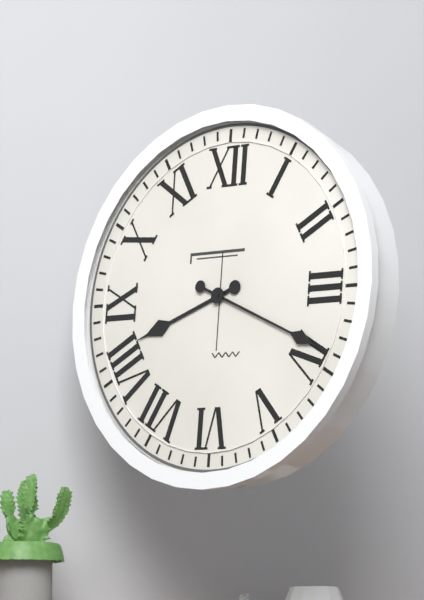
h=8 m=19
